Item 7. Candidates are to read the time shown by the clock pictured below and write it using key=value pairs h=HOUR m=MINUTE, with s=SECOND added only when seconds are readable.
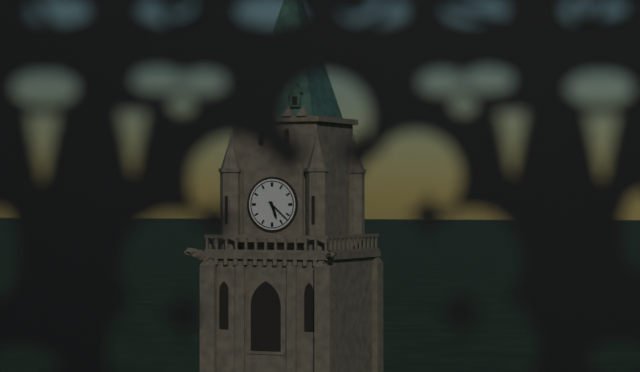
h=5 m=22
